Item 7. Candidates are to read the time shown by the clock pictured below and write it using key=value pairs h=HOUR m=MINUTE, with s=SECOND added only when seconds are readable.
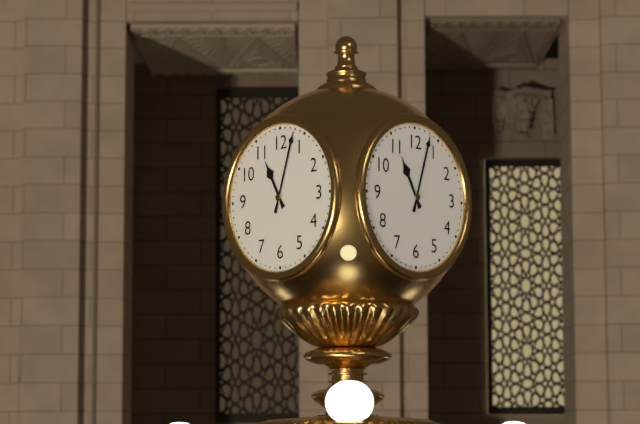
h=11 m=3
